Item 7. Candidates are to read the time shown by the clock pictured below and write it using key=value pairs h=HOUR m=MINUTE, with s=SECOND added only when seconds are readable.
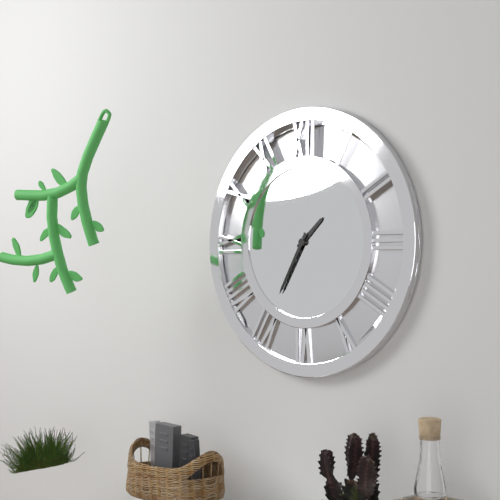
h=1 m=35
